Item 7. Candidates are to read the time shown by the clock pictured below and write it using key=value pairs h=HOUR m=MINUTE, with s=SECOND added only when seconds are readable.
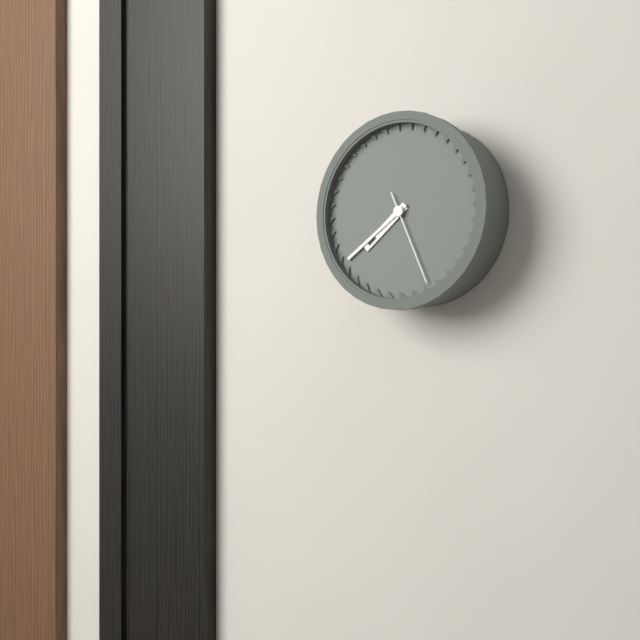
h=7 m=39 s=26
